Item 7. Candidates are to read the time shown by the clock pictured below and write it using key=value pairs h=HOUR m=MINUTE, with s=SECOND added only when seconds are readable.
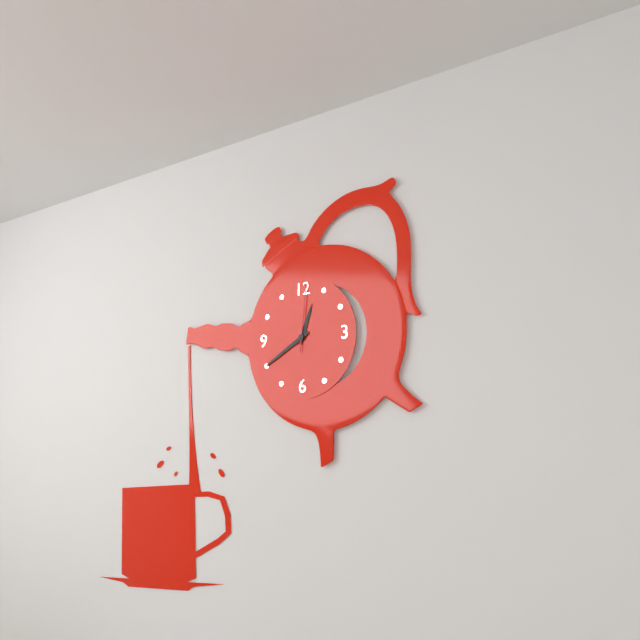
h=12 m=40 s=1
